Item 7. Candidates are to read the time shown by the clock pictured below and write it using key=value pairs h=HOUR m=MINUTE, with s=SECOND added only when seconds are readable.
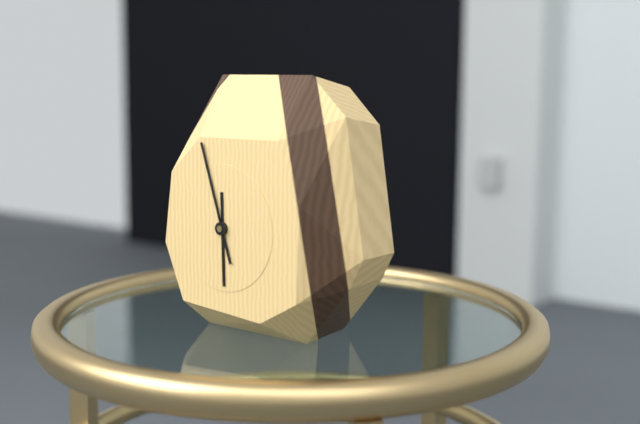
h=5 m=57
